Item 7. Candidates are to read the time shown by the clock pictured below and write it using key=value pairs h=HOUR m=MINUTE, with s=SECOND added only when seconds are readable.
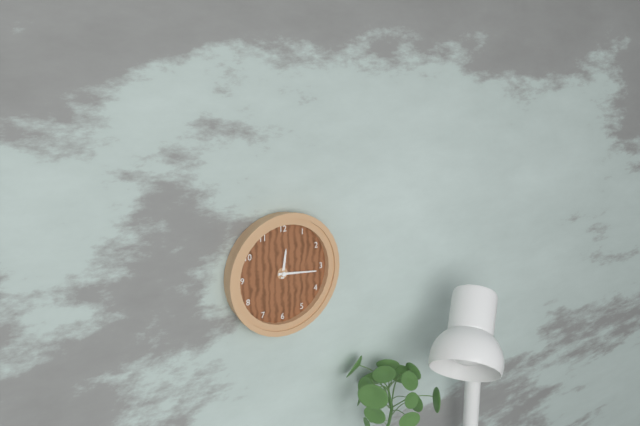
h=12 m=16
